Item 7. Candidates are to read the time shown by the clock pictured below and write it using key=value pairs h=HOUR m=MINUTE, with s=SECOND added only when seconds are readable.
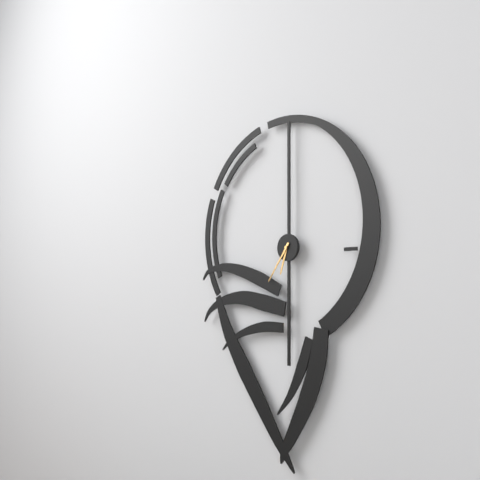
h=6 m=36
